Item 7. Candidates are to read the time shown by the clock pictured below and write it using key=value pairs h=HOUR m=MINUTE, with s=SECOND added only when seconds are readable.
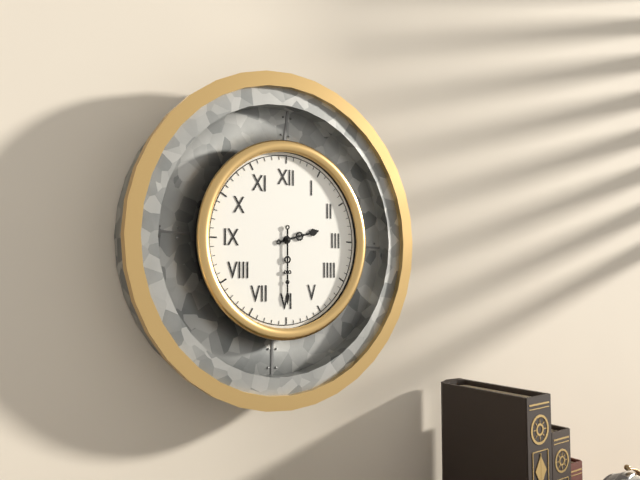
h=2 m=30
